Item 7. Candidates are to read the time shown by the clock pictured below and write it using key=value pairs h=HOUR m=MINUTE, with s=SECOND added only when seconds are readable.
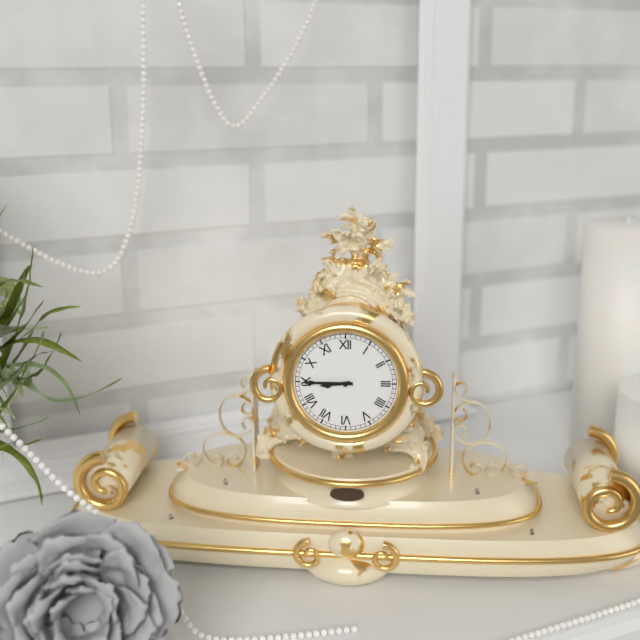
h=8 m=45
